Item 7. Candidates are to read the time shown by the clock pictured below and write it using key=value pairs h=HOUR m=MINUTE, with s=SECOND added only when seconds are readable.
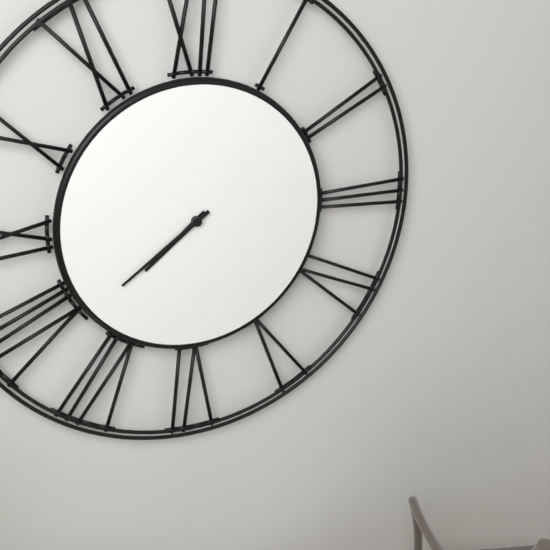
h=7 m=39
